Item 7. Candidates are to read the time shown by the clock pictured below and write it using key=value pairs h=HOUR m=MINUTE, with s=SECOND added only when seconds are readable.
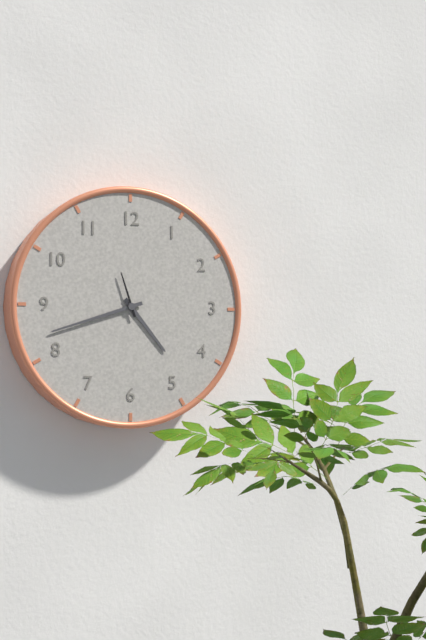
h=4 m=42
